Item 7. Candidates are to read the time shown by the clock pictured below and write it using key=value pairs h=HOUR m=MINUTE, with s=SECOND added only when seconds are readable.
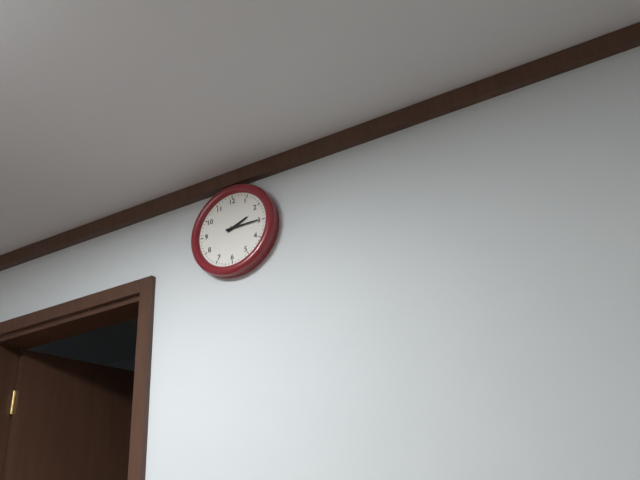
h=2 m=15
